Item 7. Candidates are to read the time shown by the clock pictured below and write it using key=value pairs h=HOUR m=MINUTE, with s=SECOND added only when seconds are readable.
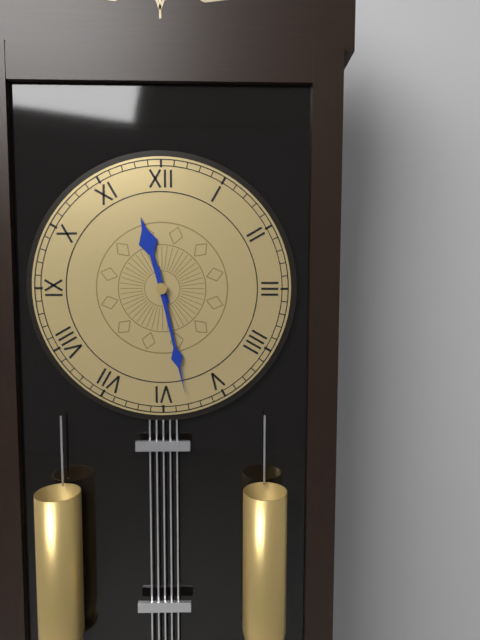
h=11 m=28
